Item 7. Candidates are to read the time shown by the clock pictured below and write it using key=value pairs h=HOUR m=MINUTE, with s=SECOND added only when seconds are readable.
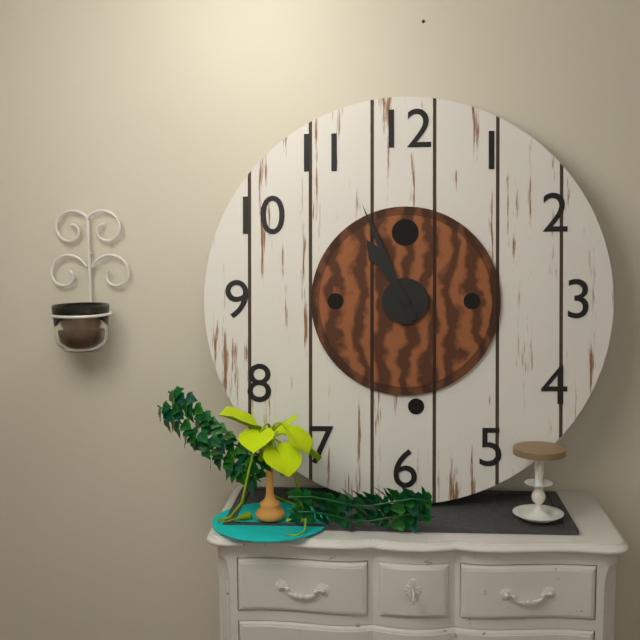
h=10 m=56
